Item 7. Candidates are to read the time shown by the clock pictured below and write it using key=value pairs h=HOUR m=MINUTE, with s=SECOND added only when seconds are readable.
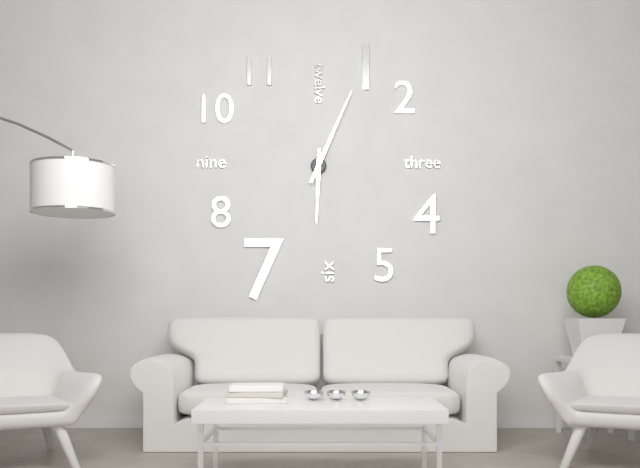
h=6 m=4
